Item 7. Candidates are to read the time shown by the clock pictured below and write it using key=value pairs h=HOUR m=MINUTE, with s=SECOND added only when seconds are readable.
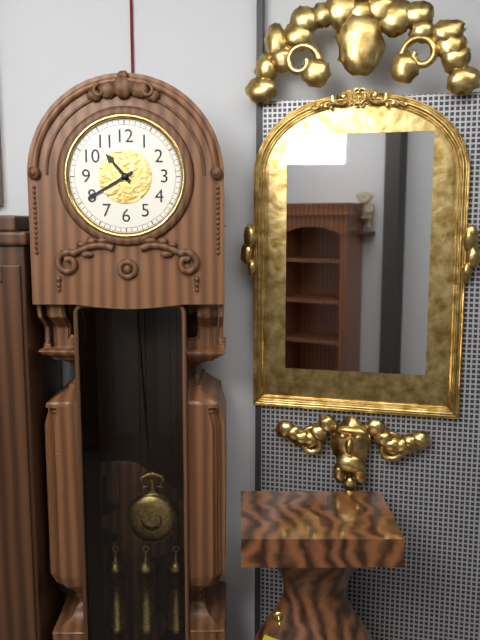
h=10 m=40
